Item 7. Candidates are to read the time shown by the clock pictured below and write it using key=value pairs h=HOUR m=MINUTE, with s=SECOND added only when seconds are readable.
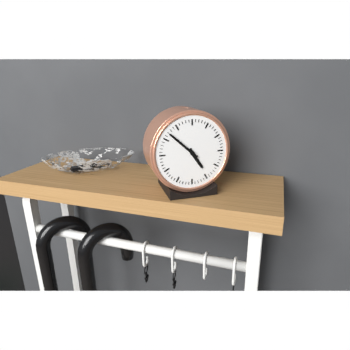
h=4 m=52
